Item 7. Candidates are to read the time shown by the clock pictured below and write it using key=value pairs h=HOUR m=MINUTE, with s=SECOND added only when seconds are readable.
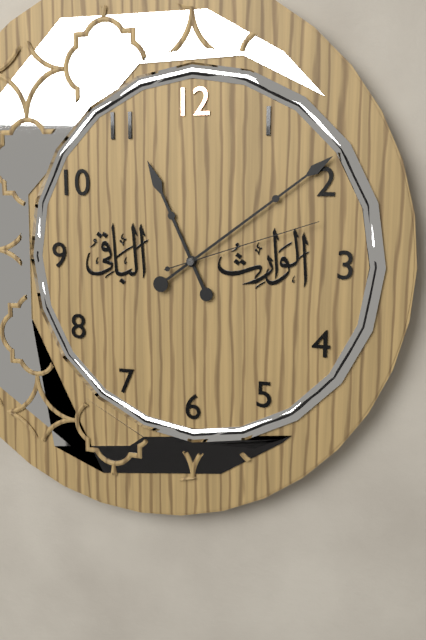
h=11 m=9 s=12
